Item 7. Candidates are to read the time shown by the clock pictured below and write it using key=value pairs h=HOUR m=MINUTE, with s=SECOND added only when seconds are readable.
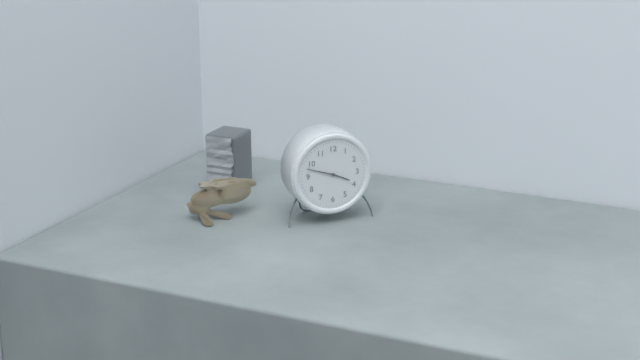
h=3 m=48
